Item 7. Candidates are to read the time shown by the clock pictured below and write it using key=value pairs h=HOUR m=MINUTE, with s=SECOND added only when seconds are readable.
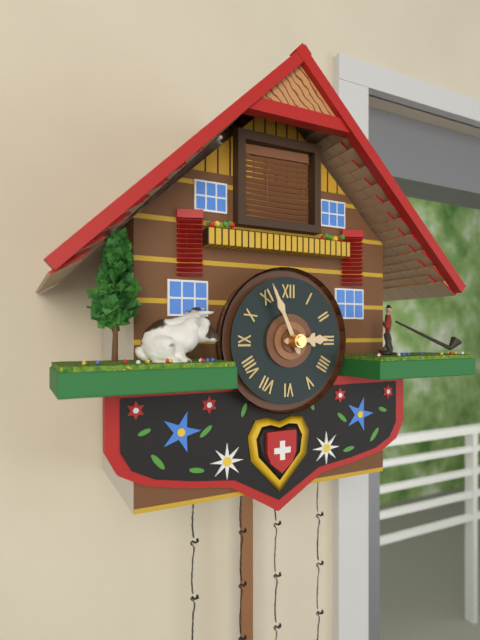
h=2 m=56
